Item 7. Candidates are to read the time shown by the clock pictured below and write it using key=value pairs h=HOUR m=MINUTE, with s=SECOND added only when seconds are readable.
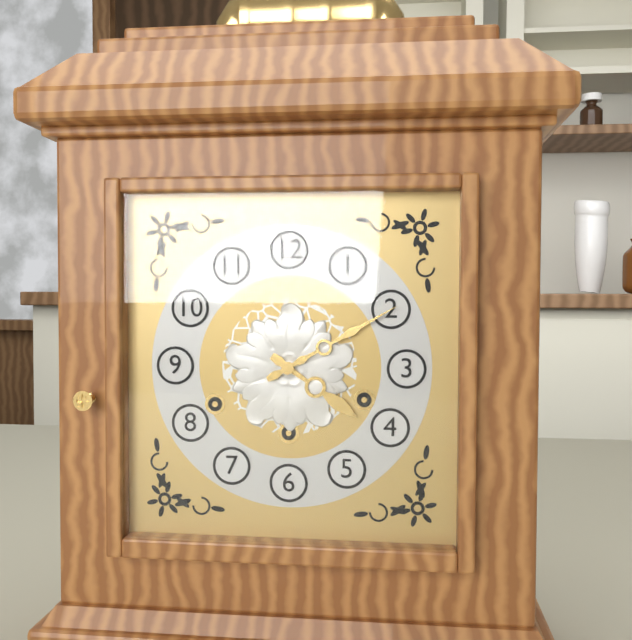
h=4 m=10
